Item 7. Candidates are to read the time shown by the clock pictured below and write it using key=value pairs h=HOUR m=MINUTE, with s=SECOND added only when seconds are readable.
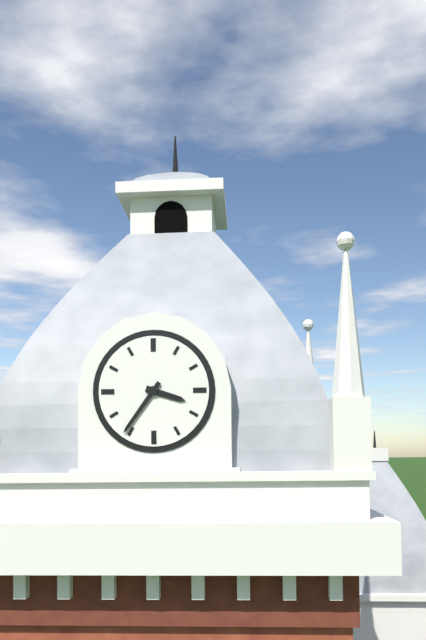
h=3 m=36
